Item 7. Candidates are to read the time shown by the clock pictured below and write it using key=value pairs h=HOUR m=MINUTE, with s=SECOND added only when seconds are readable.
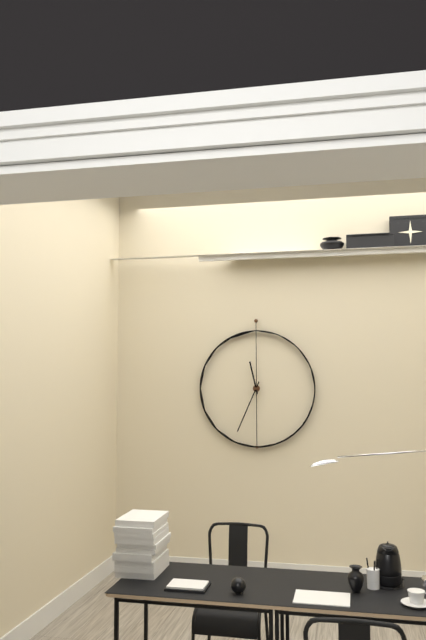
h=11 m=34
